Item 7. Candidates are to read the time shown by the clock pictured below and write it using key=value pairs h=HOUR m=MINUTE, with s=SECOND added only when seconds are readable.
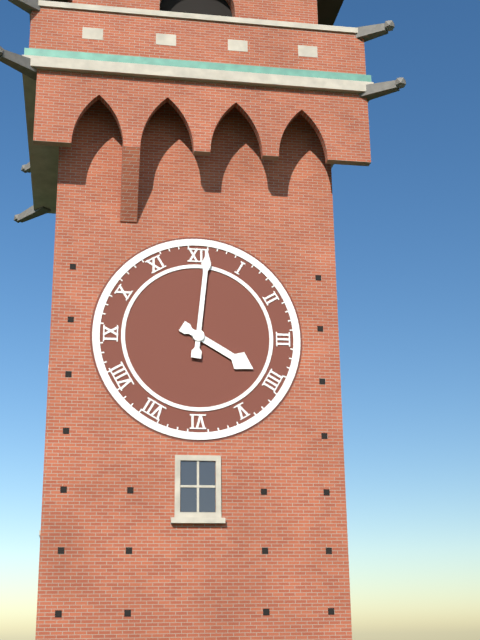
h=4 m=1
